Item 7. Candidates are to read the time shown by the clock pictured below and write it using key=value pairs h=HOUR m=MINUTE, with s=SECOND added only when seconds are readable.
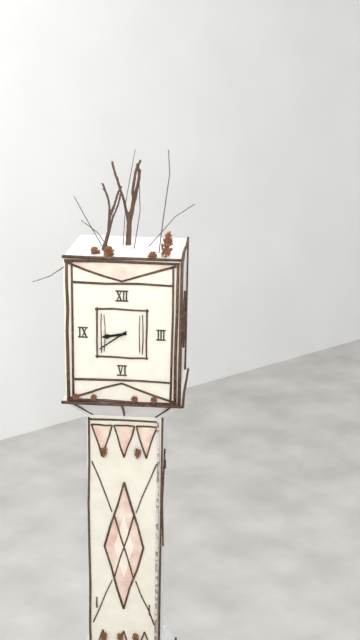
h=8 m=39
